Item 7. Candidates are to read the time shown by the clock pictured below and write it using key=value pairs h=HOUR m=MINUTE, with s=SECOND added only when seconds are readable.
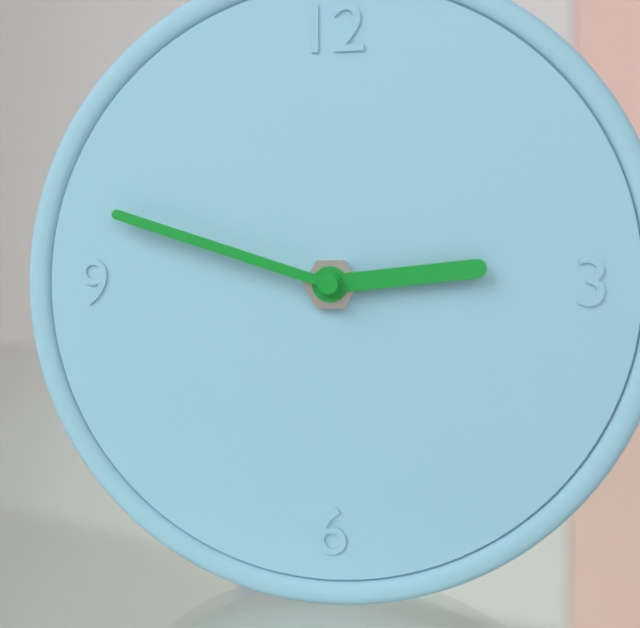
h=2 m=48
